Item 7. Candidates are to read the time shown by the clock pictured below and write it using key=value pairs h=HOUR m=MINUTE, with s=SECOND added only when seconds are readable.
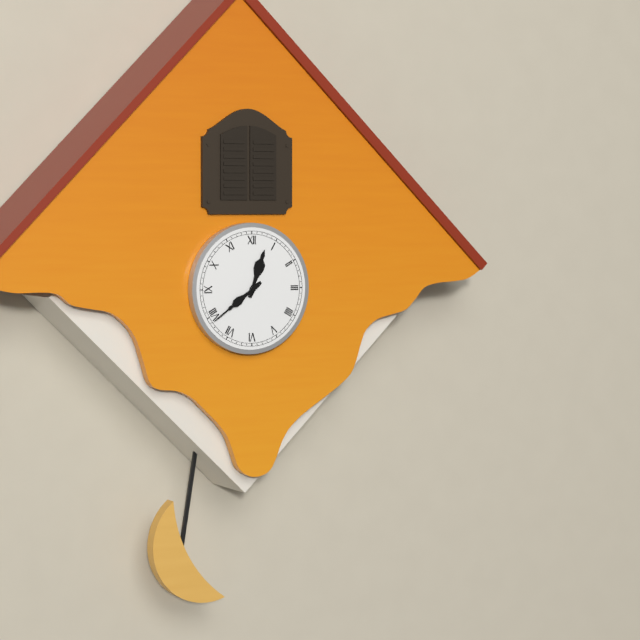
h=12 m=39
